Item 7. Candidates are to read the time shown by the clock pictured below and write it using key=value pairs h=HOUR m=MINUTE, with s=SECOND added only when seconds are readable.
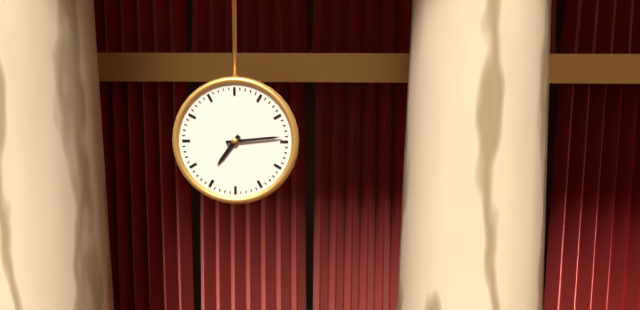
h=7 m=14
